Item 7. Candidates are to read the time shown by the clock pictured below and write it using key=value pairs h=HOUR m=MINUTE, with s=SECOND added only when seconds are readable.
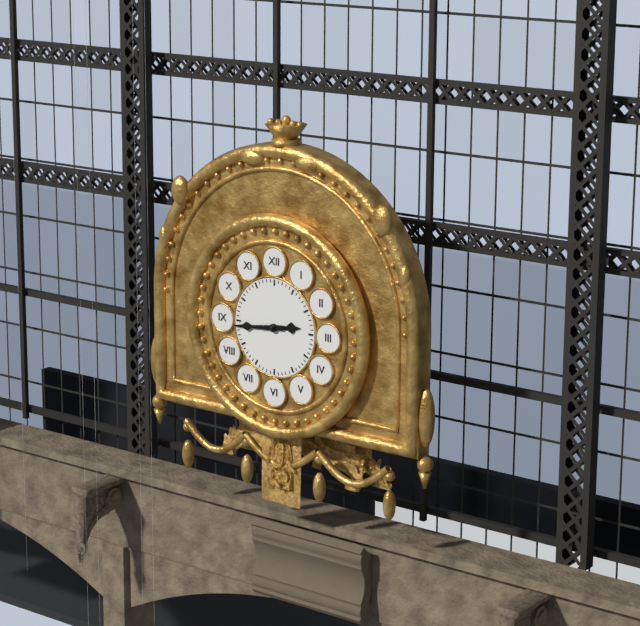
h=2 m=44
